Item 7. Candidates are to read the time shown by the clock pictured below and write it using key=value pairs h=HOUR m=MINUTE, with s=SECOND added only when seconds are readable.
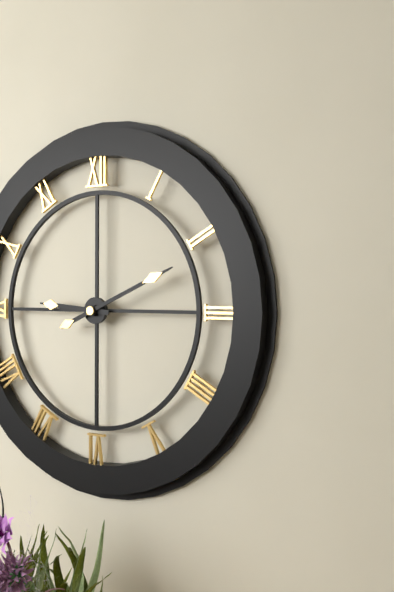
h=9 m=11
